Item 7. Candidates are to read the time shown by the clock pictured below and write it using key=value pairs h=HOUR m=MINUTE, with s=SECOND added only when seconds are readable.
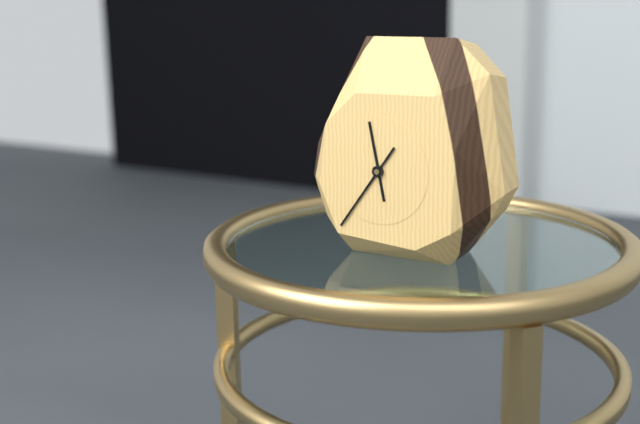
h=11 m=36
